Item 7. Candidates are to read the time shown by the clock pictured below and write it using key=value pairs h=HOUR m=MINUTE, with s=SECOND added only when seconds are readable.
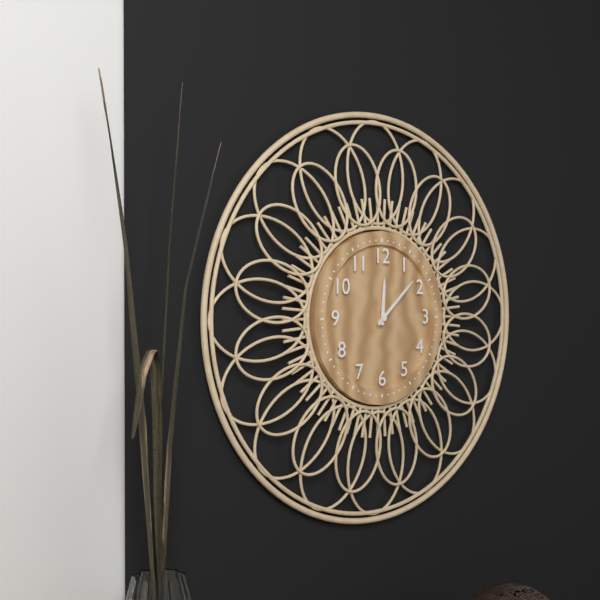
h=12 m=8
